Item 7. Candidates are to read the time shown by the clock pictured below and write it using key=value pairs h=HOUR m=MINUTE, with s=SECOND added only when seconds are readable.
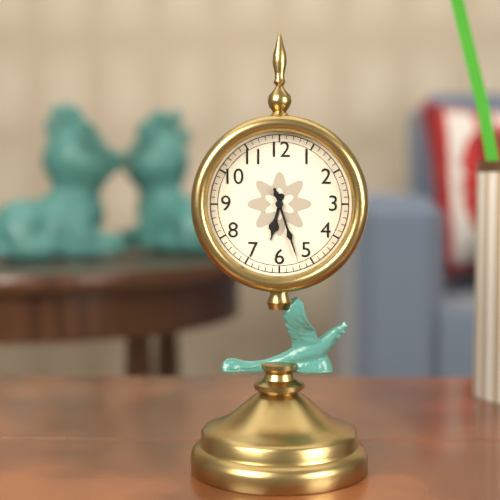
h=6 m=27 s=27
